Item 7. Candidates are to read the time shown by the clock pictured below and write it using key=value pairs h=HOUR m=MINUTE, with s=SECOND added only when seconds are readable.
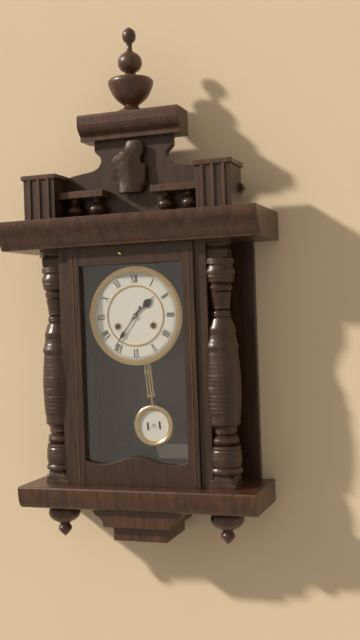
h=1 m=36
